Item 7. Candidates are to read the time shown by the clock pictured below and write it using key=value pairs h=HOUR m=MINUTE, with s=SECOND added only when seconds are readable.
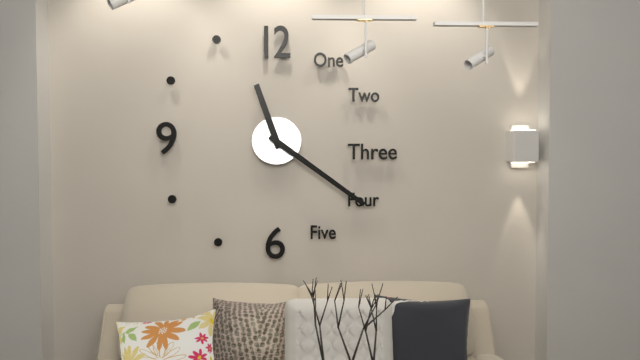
h=11 m=21
